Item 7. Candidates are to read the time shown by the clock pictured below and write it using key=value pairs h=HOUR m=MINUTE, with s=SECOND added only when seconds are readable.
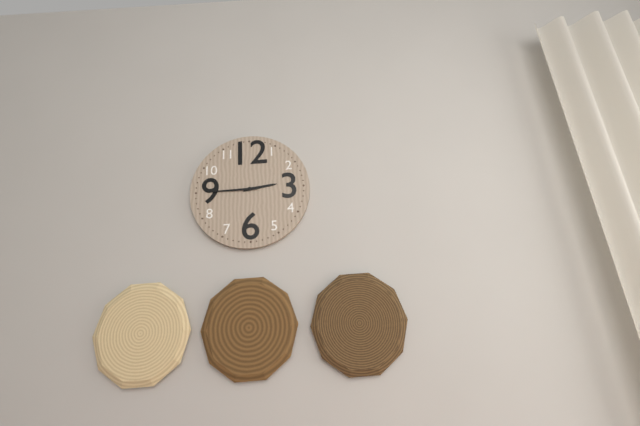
h=2 m=45
